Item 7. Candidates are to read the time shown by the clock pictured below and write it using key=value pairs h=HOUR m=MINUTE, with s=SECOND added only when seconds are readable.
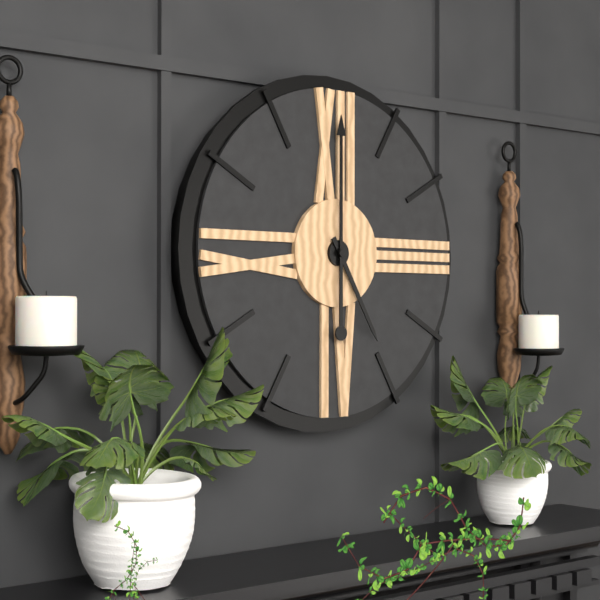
h=5 m=0
